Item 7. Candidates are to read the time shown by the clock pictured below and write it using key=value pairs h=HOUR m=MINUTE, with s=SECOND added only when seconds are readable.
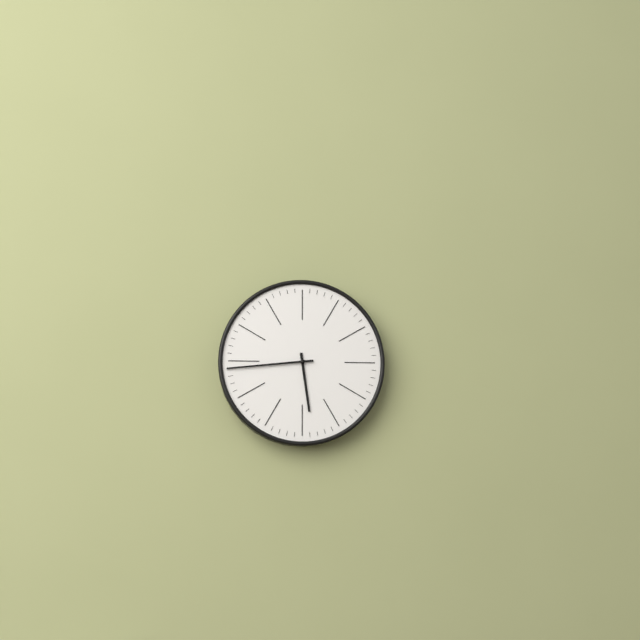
h=5 m=44
